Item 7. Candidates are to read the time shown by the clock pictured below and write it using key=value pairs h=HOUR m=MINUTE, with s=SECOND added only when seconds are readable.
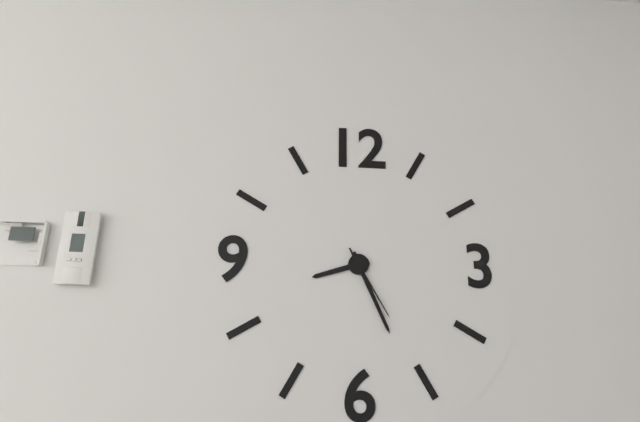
h=8 m=26 s=25
